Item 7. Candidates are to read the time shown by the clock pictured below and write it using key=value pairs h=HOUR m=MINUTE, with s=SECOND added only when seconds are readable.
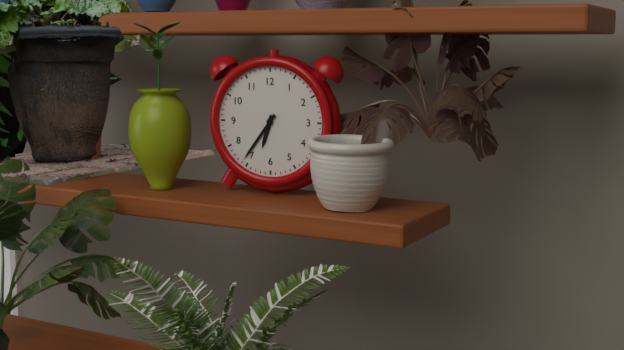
h=6 m=36
